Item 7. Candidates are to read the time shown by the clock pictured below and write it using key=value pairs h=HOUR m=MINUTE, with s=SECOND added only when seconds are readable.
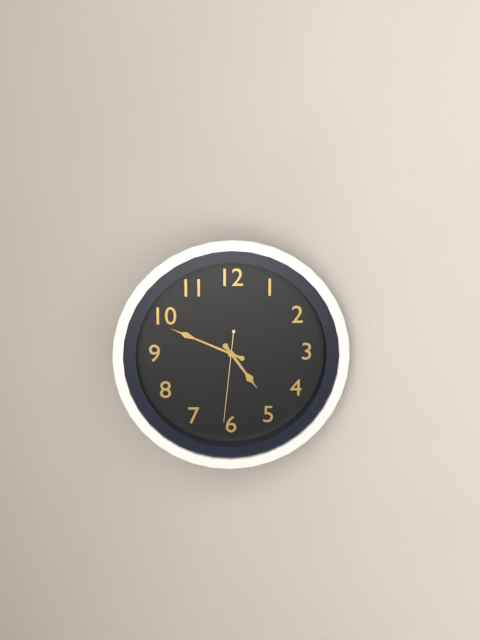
h=4 m=49 s=31
